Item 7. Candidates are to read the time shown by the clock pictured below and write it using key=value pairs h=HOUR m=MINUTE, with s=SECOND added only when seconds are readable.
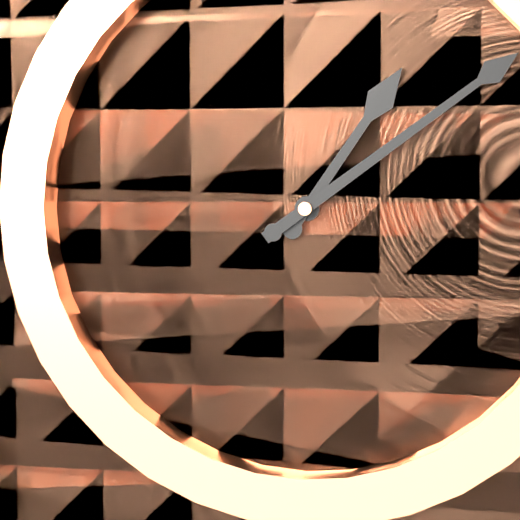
h=1 m=9
